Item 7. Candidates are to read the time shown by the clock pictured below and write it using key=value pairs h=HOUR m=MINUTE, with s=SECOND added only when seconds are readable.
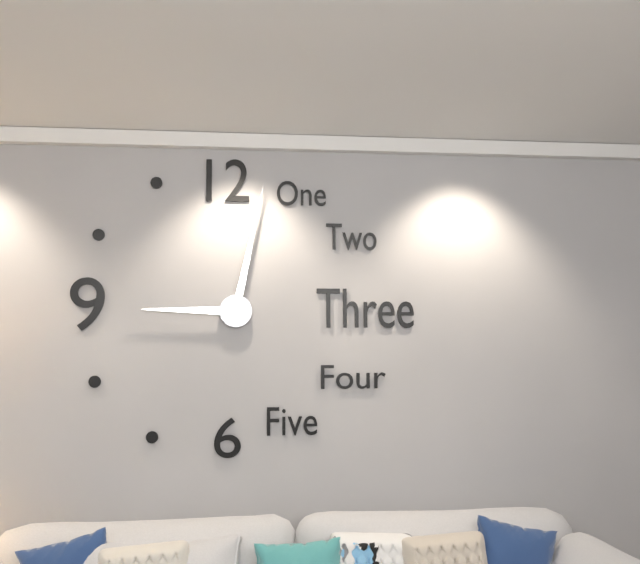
h=9 m=2
